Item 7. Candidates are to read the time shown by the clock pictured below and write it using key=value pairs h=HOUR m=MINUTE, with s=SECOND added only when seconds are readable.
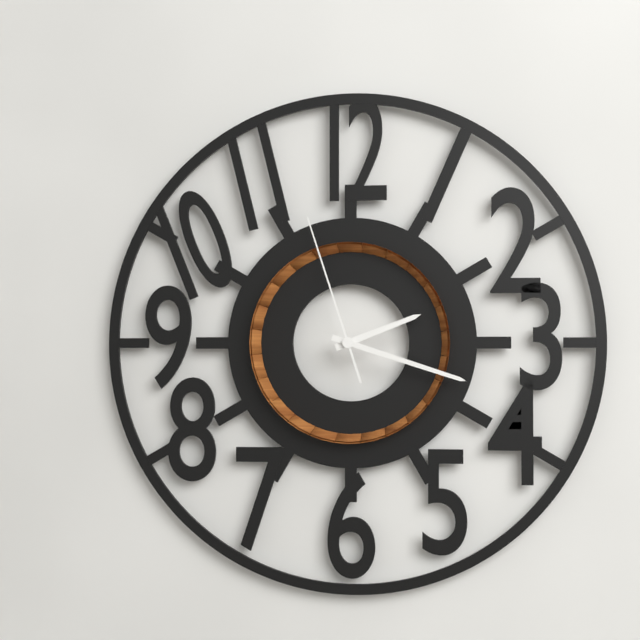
h=2 m=18 s=57
